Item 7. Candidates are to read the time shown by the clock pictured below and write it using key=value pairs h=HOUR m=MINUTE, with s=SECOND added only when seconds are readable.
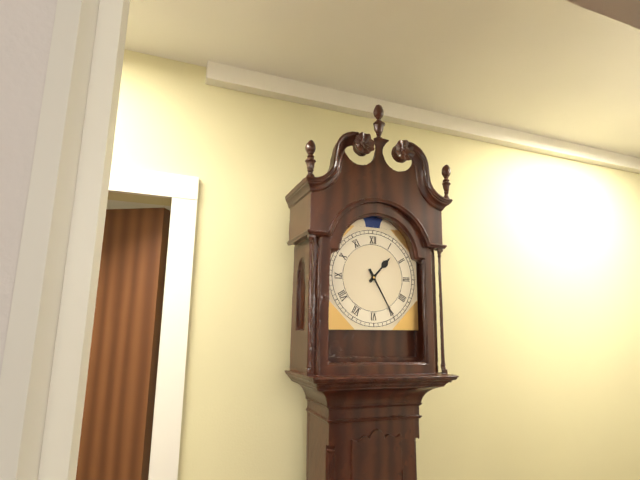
h=1 m=25
